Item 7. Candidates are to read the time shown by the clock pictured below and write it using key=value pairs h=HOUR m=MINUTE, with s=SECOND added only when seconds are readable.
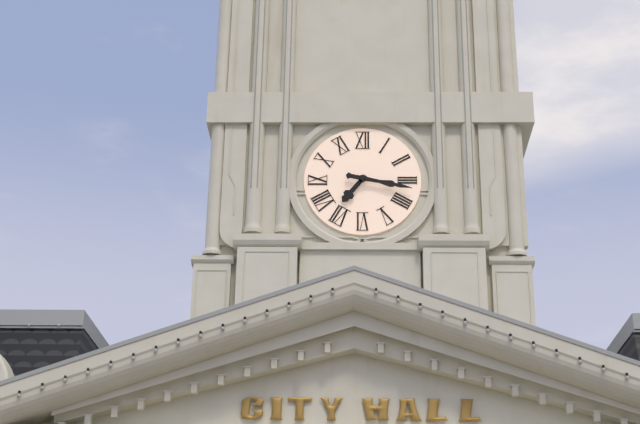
h=7 m=17
